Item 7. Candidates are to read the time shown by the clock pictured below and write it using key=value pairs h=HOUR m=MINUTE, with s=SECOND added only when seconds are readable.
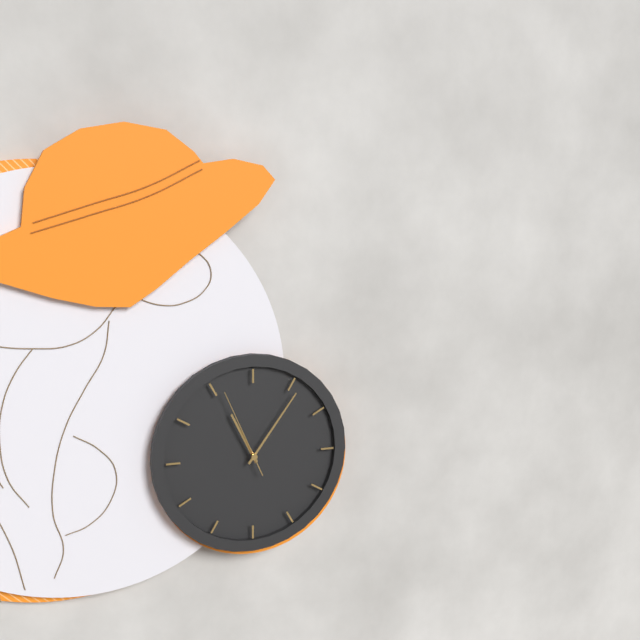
h=11 m=6 s=56
